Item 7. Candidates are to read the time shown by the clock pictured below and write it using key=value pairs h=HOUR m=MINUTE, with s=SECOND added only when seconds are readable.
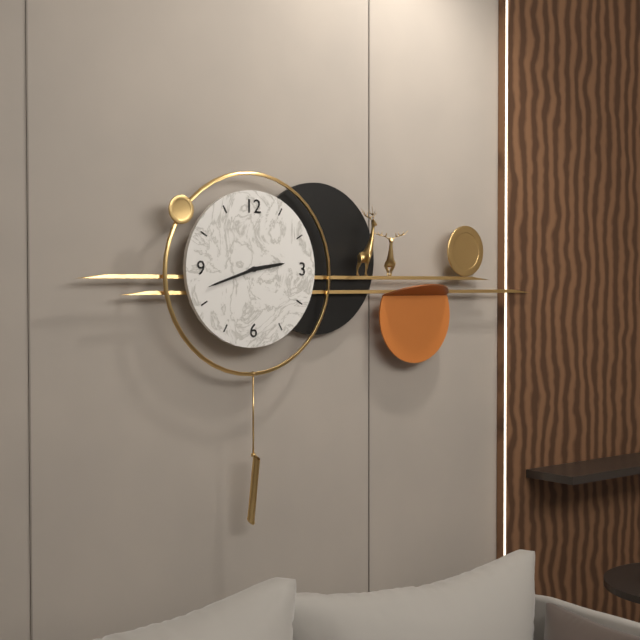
h=2 m=42
